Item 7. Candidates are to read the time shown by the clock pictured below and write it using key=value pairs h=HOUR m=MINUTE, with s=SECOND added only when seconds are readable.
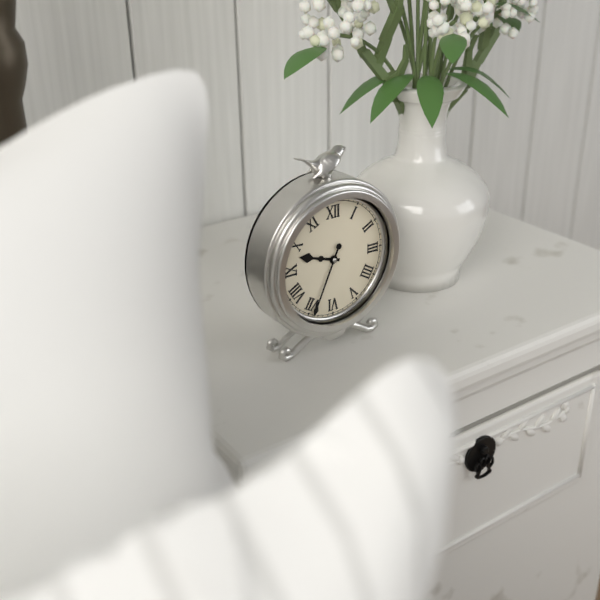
h=9 m=34
